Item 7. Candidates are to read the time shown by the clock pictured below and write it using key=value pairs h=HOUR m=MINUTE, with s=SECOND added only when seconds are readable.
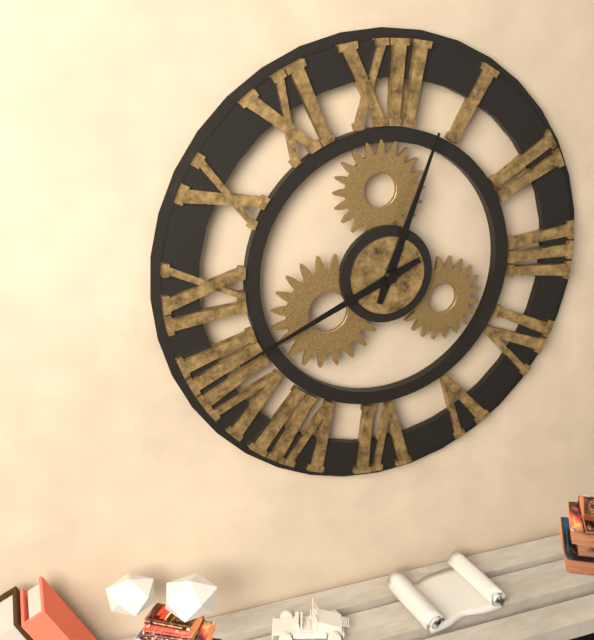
h=12 m=41
